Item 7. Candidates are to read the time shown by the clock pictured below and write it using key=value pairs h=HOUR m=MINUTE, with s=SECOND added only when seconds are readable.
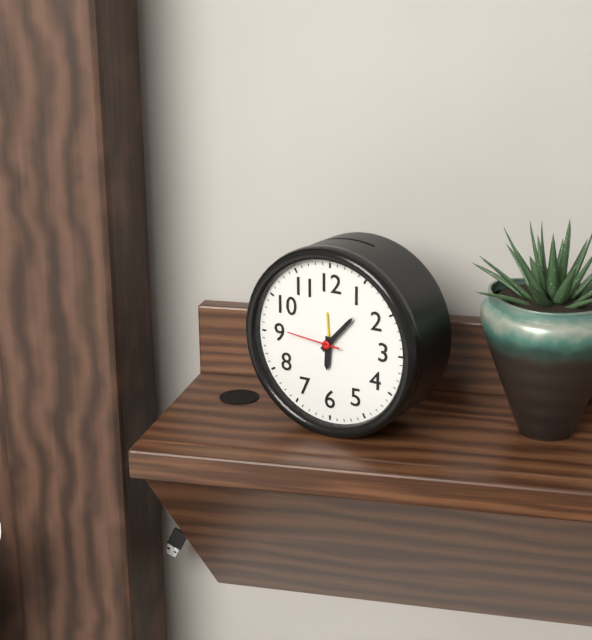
h=6 m=7 s=46
